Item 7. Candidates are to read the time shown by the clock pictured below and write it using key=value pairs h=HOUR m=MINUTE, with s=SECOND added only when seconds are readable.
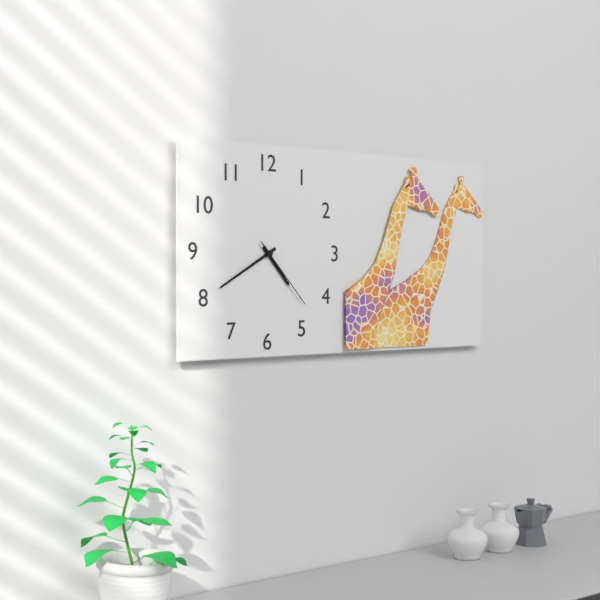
h=4 m=40 s=23
